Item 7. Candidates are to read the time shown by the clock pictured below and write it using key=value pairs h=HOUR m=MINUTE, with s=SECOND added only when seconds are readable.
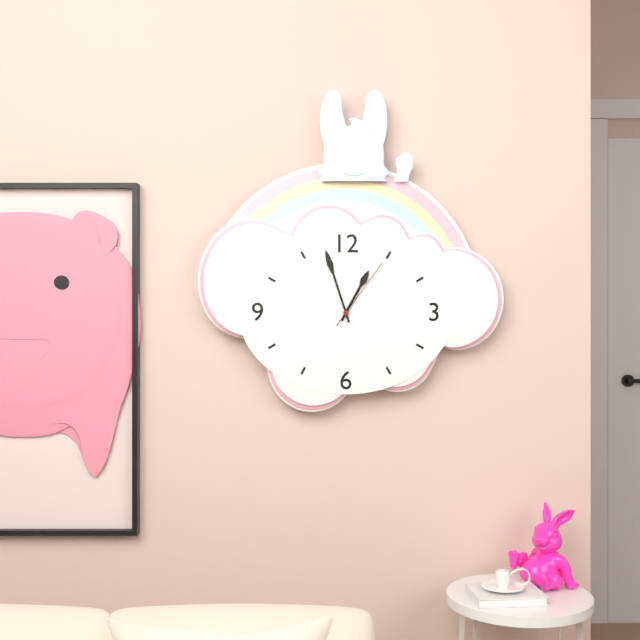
h=12 m=57 s=6
